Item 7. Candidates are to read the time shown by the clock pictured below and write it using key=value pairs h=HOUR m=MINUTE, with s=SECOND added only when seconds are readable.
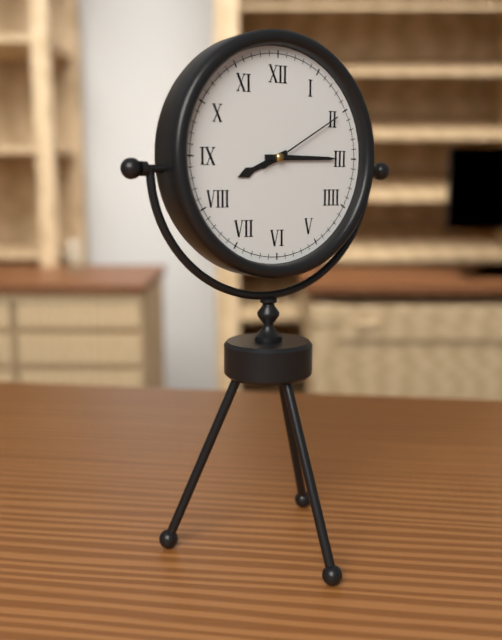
h=8 m=15 s=10
